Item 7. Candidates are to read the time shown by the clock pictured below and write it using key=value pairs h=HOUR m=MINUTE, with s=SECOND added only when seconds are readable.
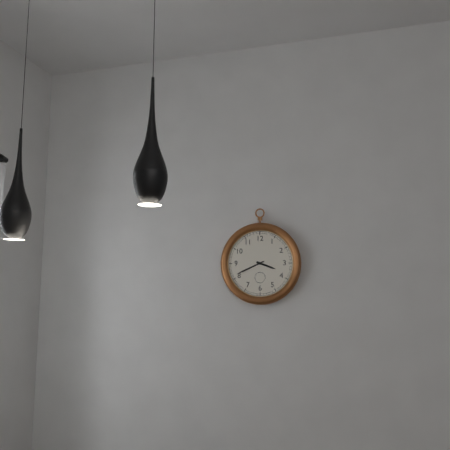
h=3 m=41
